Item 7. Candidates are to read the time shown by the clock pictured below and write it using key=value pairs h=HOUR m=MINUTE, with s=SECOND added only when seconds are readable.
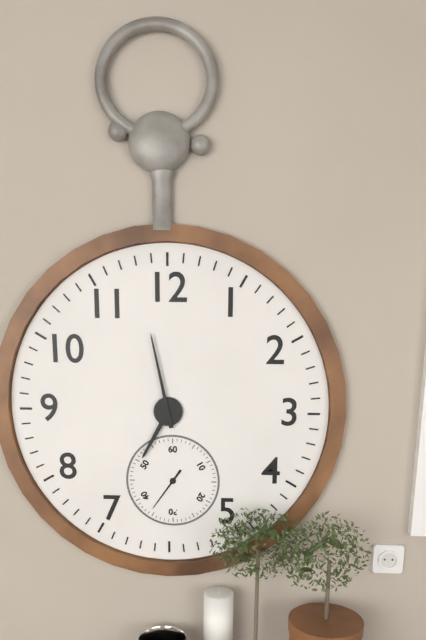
h=6 m=58
